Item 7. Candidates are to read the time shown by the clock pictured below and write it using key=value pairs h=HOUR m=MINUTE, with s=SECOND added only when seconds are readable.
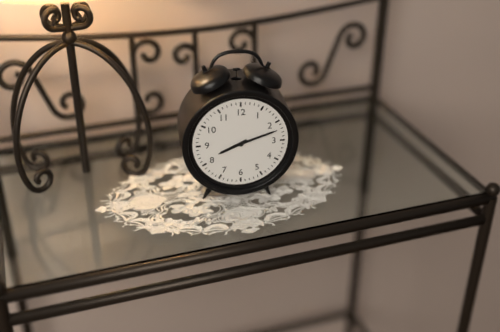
h=8 m=12
